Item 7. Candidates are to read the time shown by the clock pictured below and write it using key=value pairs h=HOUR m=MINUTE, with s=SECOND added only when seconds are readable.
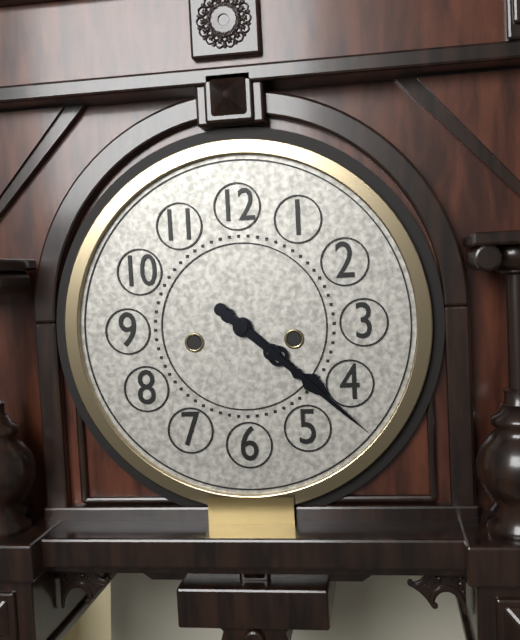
h=4 m=22
